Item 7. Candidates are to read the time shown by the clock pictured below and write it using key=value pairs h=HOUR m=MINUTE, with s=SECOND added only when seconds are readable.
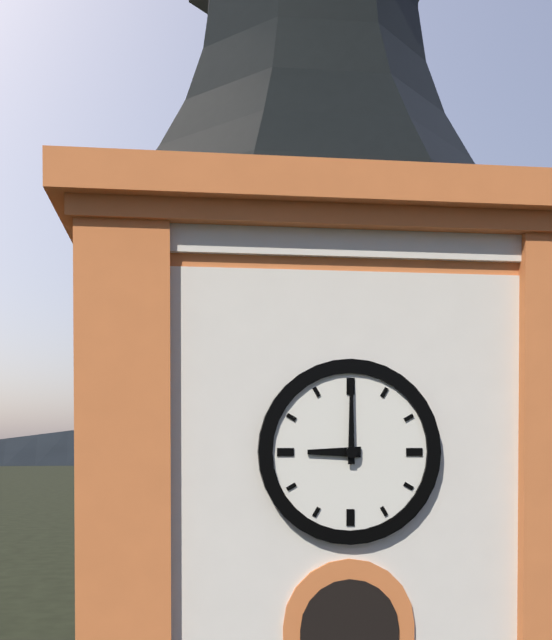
h=9 m=0
